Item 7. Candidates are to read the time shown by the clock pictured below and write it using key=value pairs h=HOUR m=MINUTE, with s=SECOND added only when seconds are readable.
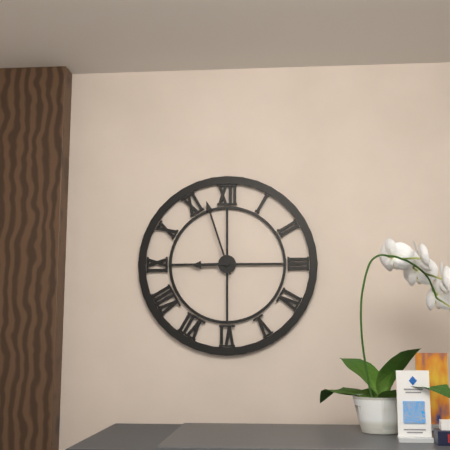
h=8 m=57
